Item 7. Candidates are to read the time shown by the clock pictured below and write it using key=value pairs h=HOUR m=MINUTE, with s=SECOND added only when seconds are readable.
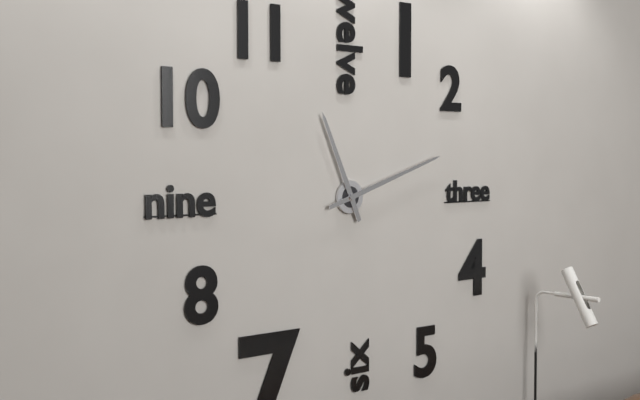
h=11 m=12
